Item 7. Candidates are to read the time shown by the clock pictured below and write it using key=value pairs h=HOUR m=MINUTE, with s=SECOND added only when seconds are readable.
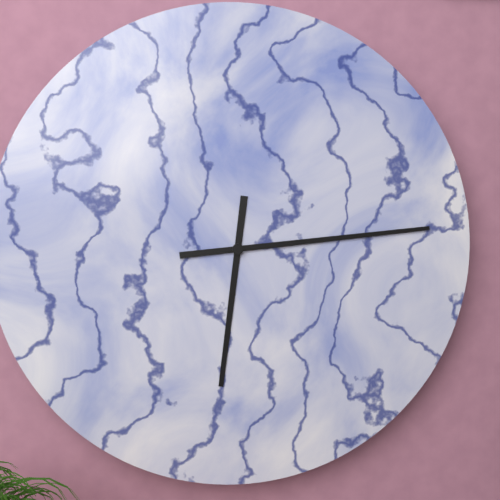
h=6 m=14
